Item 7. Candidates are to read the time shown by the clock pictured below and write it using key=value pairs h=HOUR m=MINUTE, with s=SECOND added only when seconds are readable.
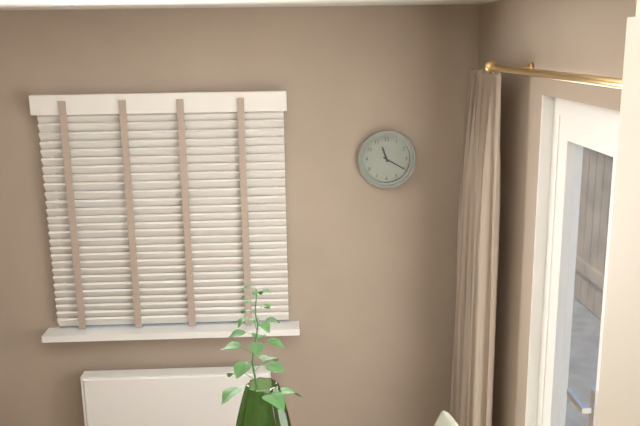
h=11 m=20
